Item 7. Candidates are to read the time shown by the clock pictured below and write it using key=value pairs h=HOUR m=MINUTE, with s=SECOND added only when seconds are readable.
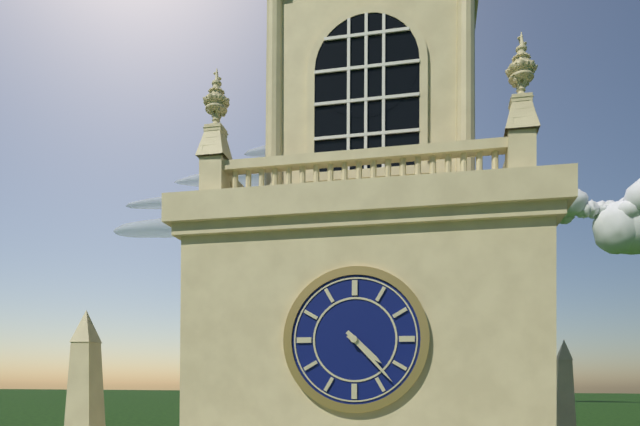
h=4 m=23
